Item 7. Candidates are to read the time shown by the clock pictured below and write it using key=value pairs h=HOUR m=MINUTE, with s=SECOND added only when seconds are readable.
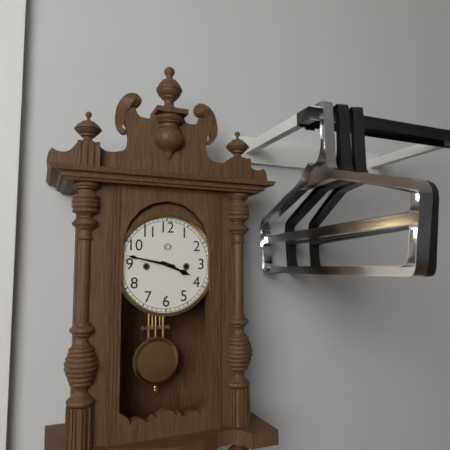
h=3 m=47
